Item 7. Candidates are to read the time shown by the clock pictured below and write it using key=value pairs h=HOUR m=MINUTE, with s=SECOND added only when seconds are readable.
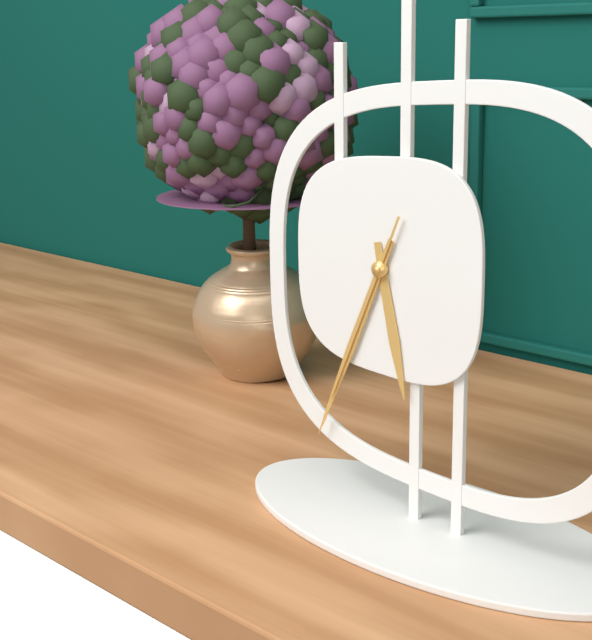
h=5 m=34 s=34
